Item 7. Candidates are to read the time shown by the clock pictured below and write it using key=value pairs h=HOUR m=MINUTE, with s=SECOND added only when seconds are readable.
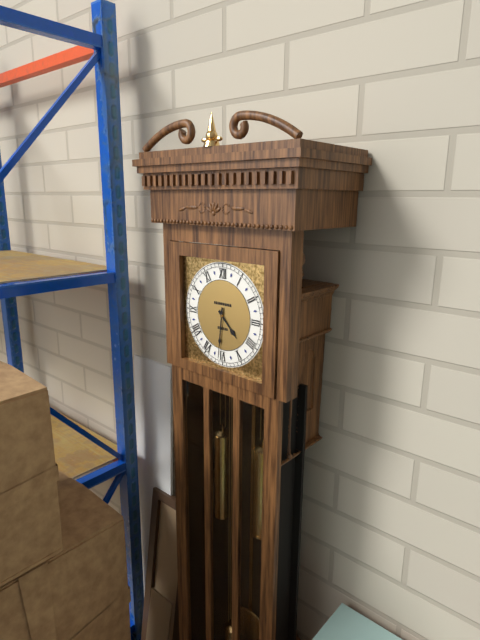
h=4 m=31
